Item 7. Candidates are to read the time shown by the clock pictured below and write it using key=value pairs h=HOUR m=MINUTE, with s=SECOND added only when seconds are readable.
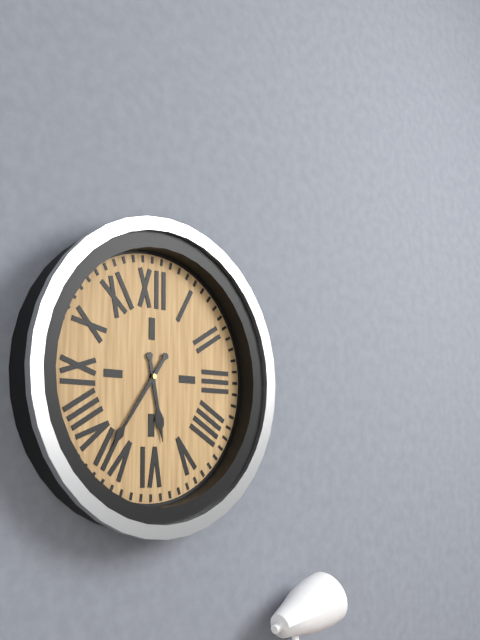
h=5 m=36
